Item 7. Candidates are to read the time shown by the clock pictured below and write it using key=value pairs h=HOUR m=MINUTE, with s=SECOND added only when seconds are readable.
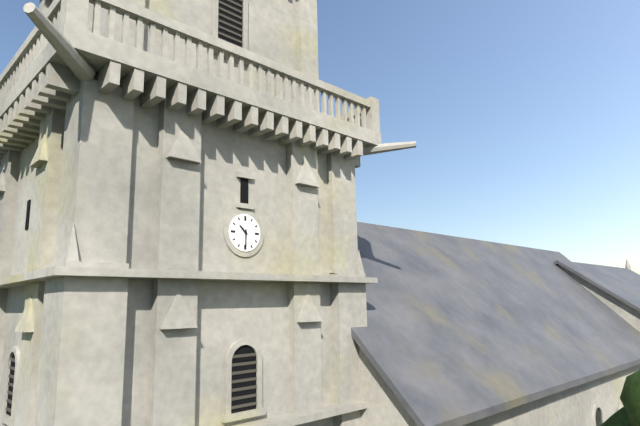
h=10 m=30
